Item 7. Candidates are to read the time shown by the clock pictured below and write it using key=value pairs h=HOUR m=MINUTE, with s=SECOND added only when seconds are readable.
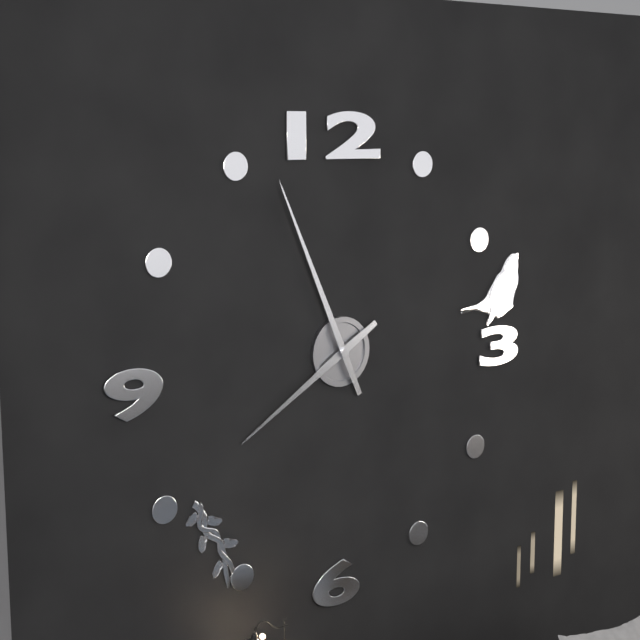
h=7 m=56
